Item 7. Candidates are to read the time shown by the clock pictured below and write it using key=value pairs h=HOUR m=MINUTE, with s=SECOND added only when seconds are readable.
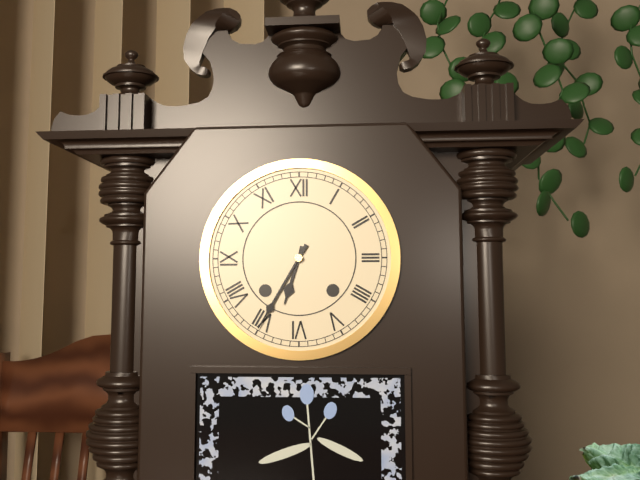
h=6 m=35
